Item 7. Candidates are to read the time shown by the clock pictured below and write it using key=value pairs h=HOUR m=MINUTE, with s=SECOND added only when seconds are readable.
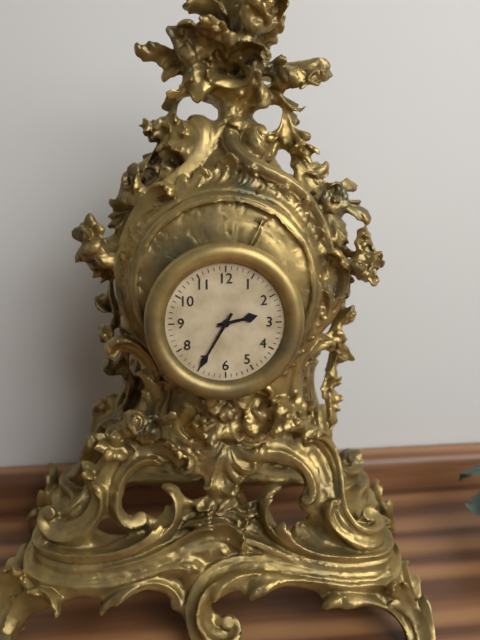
h=2 m=35
